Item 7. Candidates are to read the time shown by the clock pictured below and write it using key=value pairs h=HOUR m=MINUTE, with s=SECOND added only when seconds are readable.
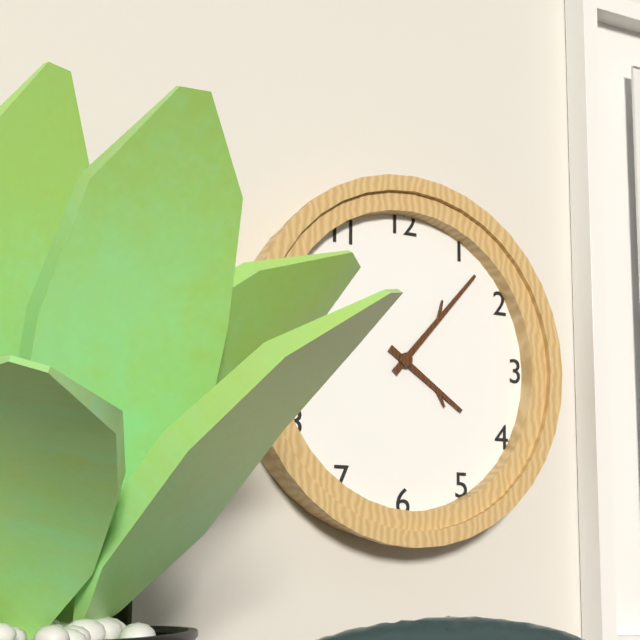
h=4 m=7
